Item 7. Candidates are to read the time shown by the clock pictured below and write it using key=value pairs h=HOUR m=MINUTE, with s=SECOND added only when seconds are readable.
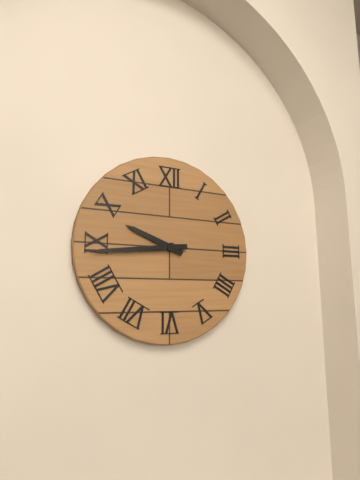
h=9 m=44
